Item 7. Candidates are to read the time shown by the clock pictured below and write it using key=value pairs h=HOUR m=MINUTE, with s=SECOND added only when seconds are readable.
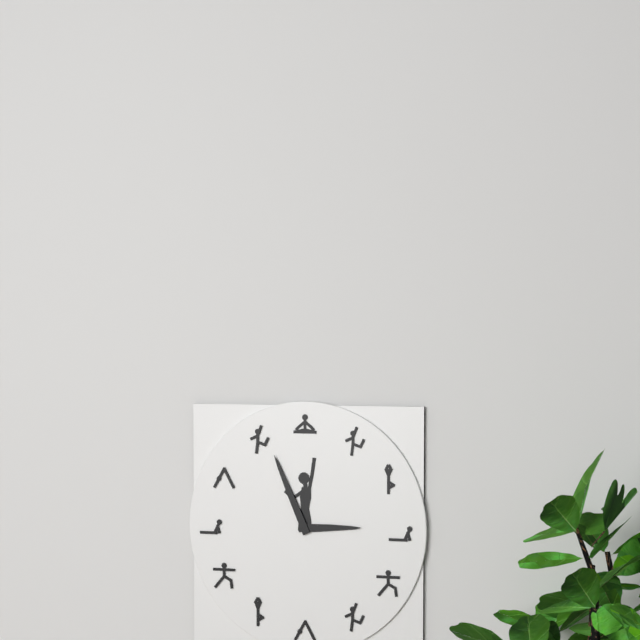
h=2 m=56
